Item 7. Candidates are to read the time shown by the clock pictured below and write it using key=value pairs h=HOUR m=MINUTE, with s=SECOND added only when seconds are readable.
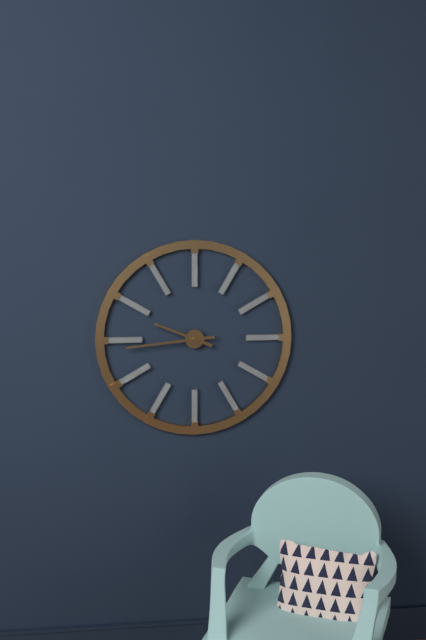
h=9 m=44
